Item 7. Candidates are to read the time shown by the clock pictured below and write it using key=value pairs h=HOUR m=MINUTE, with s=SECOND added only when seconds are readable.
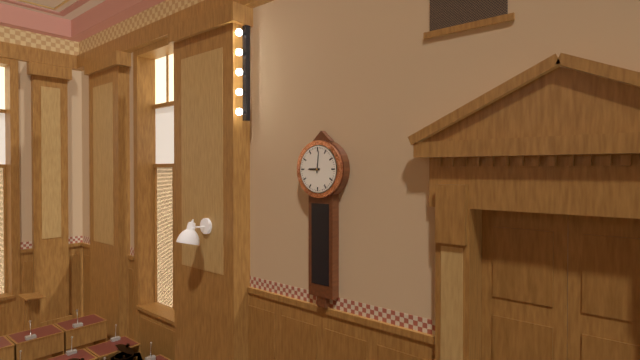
h=9 m=1
